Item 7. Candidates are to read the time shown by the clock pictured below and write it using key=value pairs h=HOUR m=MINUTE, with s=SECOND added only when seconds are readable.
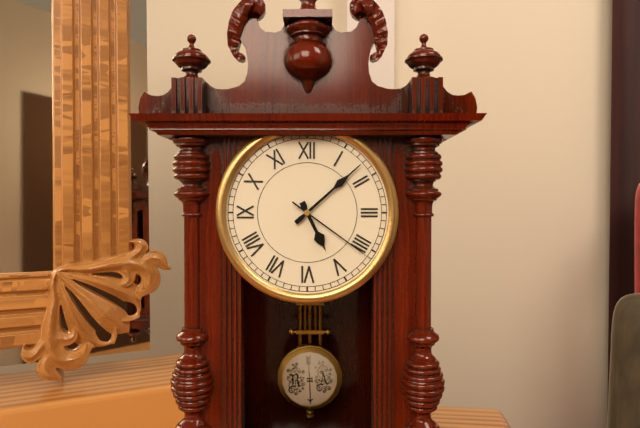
h=5 m=8 s=21
